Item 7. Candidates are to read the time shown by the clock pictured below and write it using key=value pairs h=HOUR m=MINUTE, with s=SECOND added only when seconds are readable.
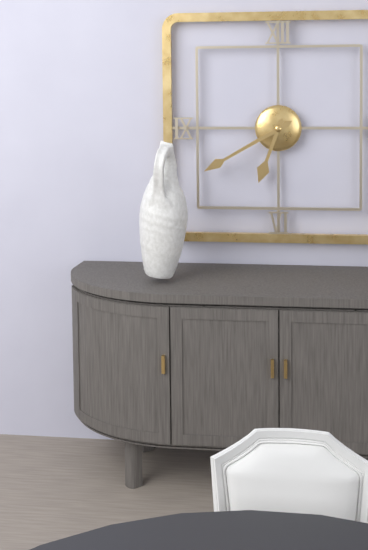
h=6 m=40
